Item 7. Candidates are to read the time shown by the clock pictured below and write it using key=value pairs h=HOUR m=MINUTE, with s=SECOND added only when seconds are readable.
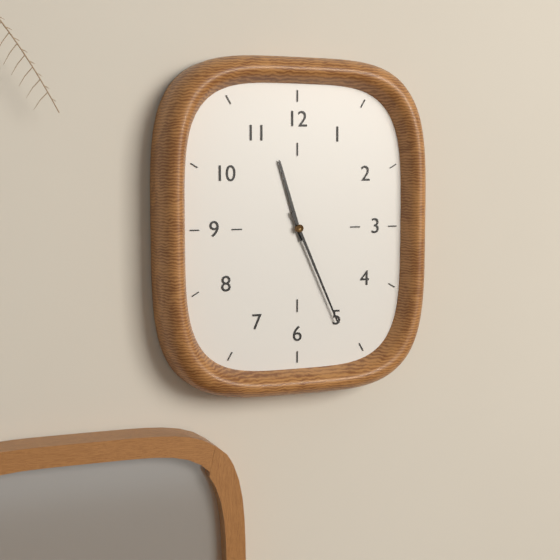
h=11 m=26
